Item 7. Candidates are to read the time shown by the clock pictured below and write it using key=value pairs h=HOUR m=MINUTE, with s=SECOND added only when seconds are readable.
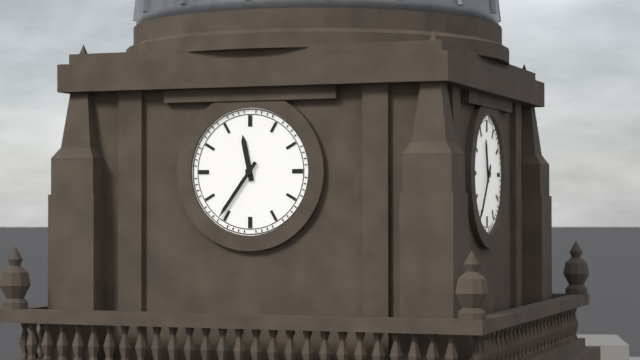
h=11 m=36
